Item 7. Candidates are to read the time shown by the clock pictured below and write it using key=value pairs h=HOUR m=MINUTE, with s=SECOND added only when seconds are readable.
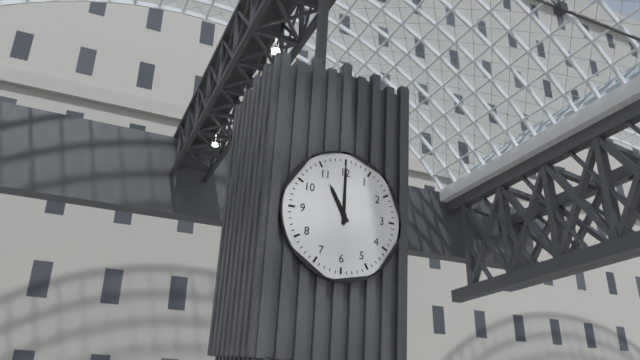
h=11 m=0
